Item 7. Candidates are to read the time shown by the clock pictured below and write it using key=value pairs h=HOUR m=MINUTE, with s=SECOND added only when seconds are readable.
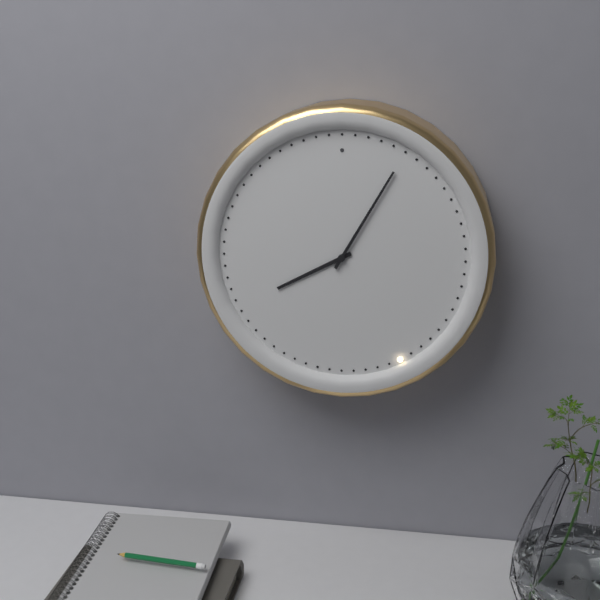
h=8 m=5
